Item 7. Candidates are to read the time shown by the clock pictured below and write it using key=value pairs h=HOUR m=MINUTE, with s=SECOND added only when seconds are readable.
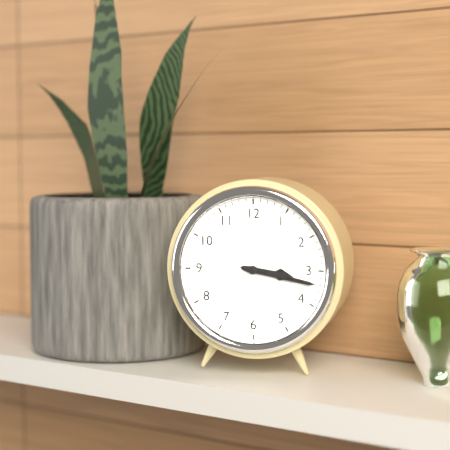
h=3 m=17
